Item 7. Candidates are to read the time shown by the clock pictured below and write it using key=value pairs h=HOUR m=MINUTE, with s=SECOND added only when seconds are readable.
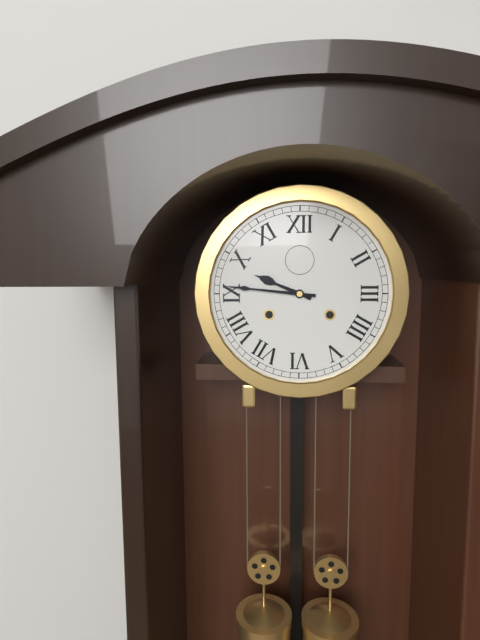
h=9 m=46
